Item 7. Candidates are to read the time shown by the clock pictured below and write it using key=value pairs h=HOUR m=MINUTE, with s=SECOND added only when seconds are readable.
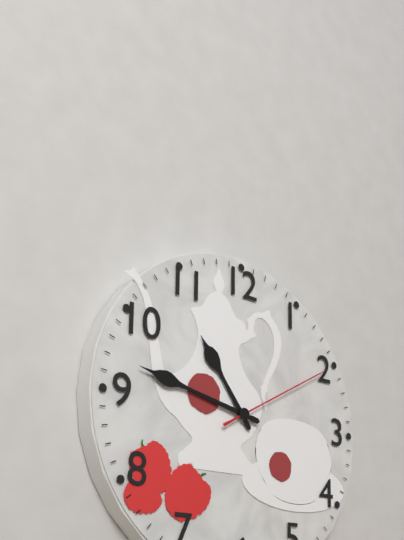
h=10 m=47 s=10
